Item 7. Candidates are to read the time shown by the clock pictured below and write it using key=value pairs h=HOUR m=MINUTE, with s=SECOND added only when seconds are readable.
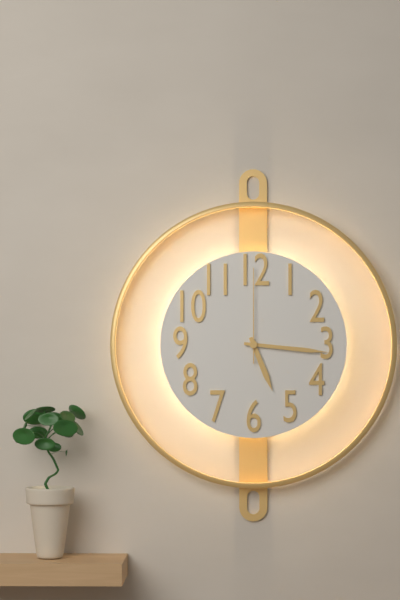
h=5 m=16 s=0
